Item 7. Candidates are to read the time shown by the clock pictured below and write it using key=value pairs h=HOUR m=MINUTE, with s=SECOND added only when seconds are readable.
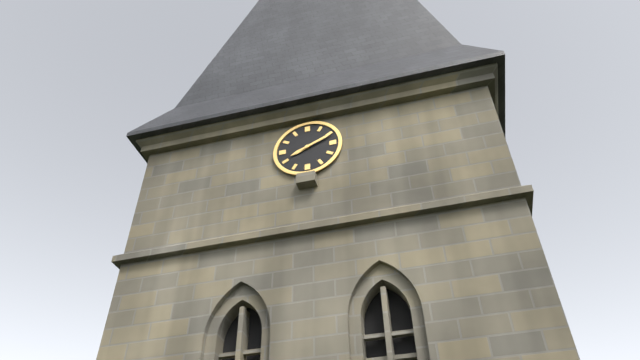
h=8 m=11
